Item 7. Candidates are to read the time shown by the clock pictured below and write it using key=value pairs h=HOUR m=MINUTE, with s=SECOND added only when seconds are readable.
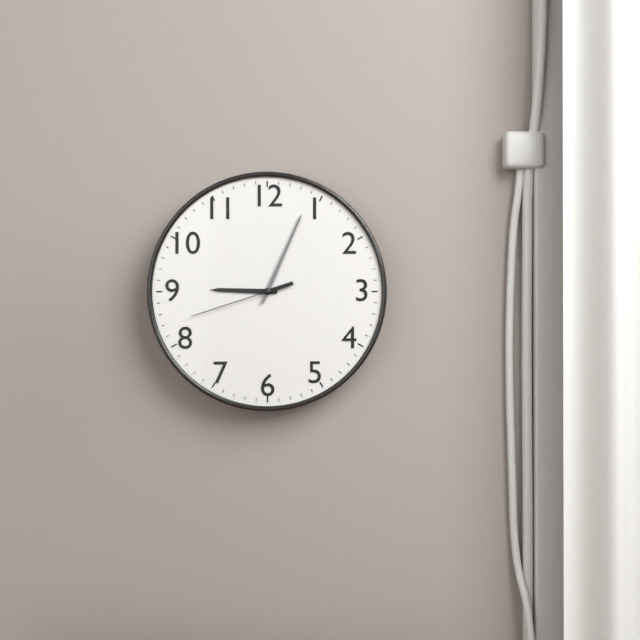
h=9 m=4 s=42
